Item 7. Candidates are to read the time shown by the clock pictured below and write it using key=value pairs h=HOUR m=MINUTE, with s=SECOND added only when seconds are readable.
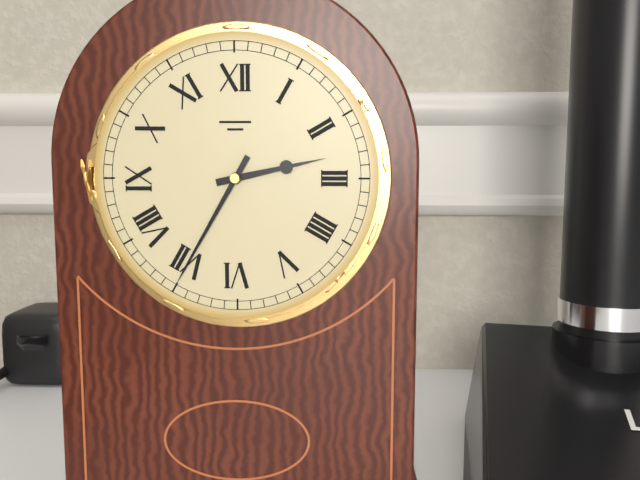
h=2 m=35
